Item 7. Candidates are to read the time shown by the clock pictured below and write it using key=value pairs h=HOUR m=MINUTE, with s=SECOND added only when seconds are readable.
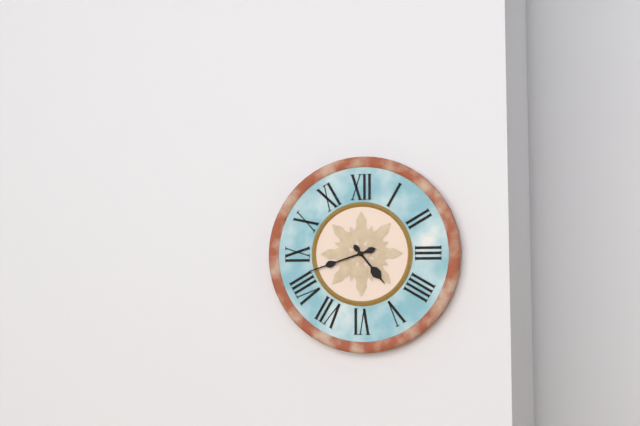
h=4 m=42
